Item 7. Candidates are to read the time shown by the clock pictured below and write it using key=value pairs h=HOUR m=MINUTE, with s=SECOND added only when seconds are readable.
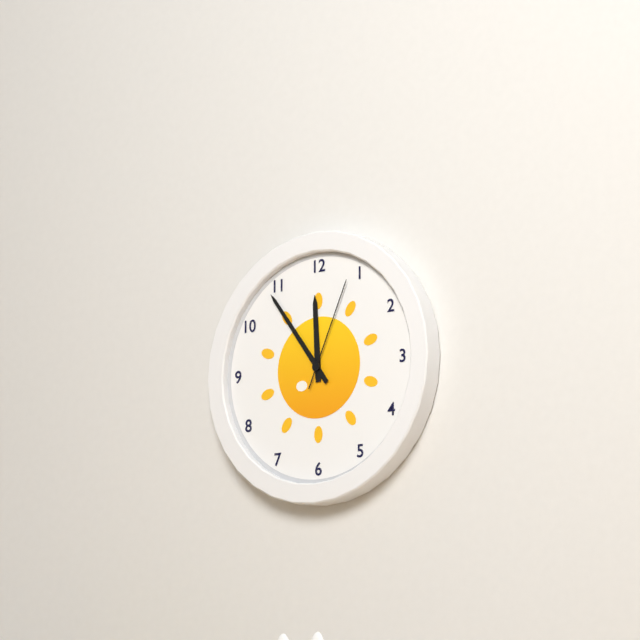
h=11 m=54 s=4
